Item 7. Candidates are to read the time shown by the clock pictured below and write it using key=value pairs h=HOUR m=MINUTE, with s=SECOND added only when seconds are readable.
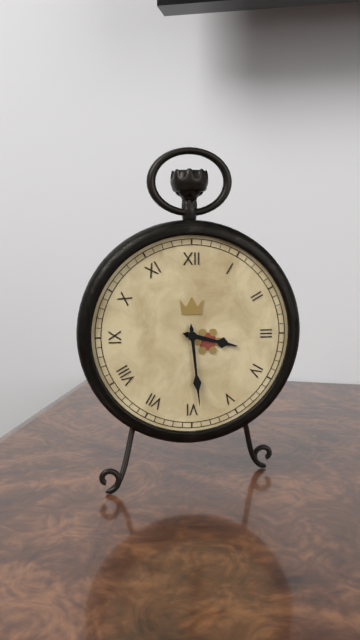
h=3 m=29
